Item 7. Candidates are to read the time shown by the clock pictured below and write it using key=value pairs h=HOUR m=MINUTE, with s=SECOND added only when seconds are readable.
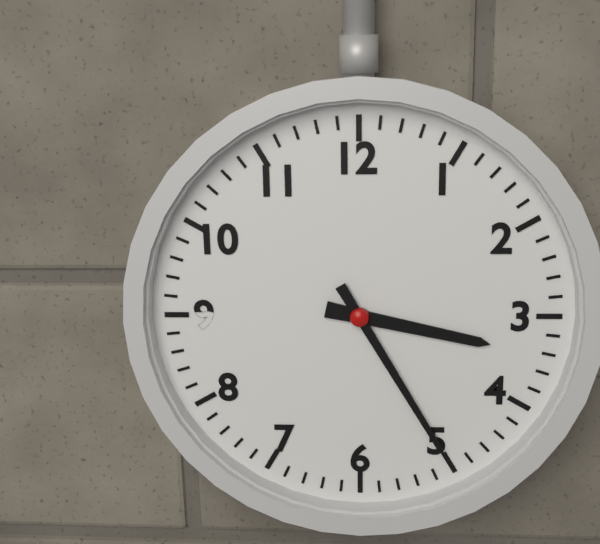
h=3 m=25
